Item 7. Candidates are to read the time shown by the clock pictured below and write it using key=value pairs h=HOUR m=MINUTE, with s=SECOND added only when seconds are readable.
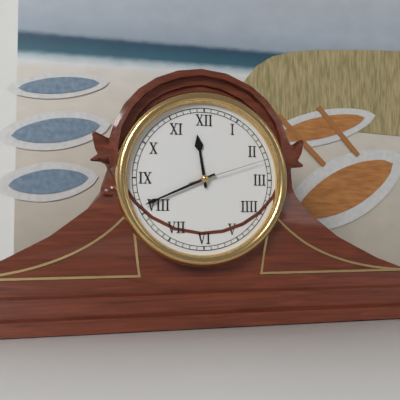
h=11 m=41 s=12
